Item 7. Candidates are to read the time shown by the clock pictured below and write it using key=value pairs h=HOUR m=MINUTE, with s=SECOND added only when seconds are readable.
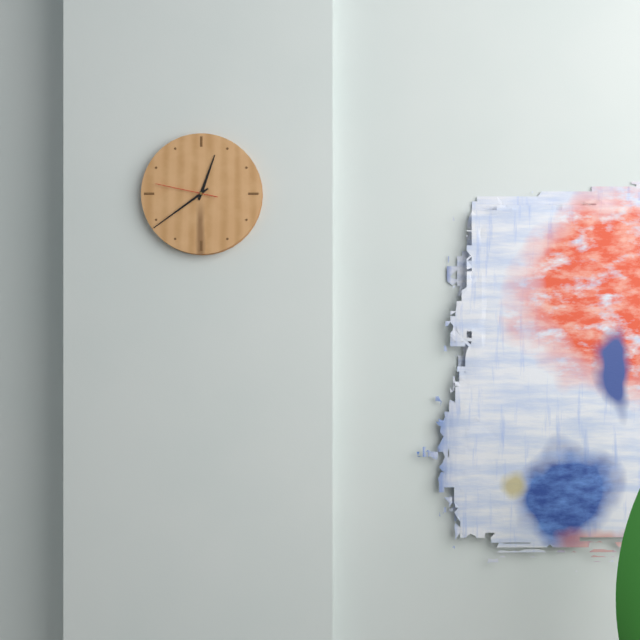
h=12 m=39 s=47
